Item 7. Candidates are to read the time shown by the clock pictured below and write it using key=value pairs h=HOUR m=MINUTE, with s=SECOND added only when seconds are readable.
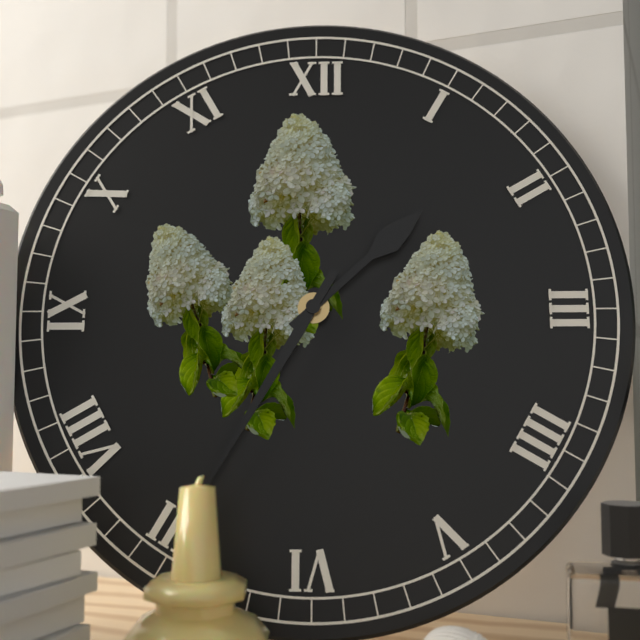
h=1 m=35
